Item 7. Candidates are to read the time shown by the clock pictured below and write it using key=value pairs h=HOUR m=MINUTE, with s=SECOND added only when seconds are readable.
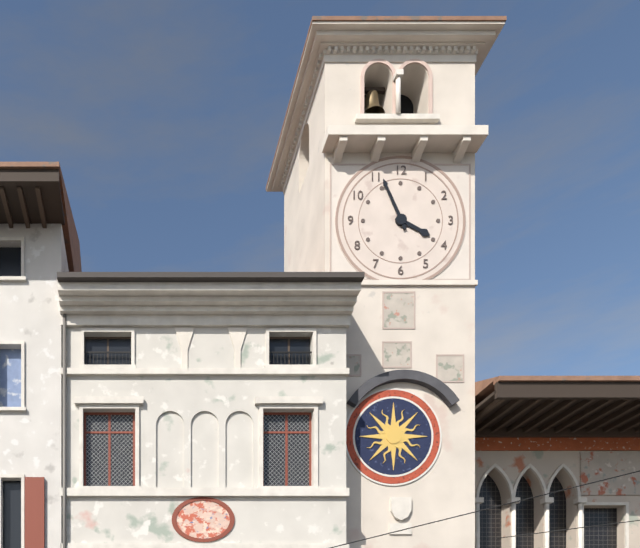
h=3 m=56
